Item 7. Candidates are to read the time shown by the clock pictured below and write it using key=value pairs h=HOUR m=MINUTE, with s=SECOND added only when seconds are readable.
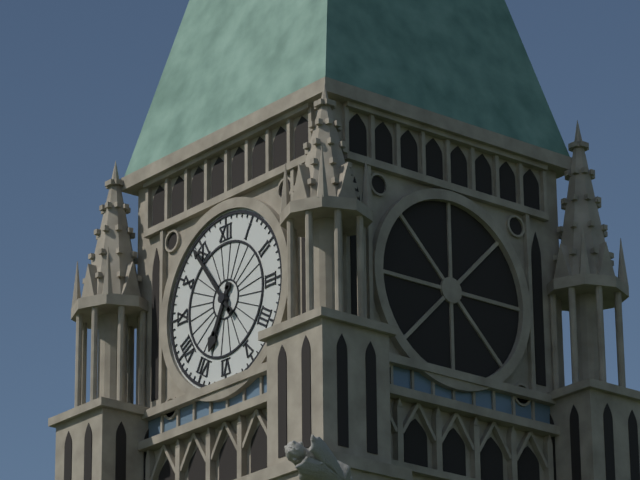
h=6 m=54
